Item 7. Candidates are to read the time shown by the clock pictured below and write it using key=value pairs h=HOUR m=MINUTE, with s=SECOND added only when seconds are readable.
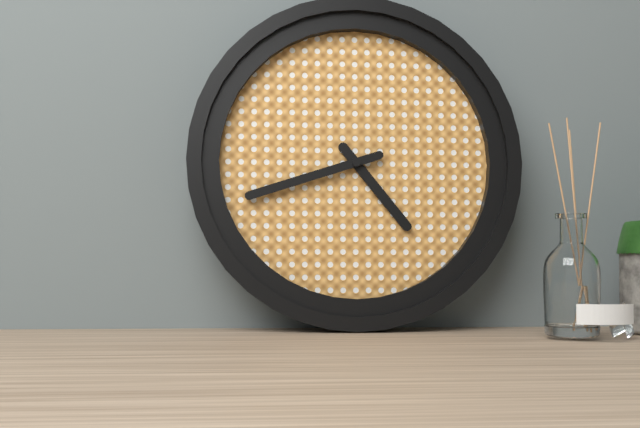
h=4 m=42
